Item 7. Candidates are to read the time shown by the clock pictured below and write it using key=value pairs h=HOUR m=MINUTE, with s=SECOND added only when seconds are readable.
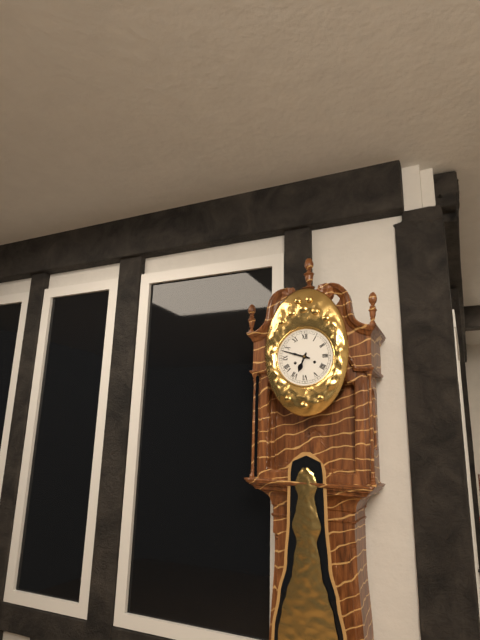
h=6 m=48
